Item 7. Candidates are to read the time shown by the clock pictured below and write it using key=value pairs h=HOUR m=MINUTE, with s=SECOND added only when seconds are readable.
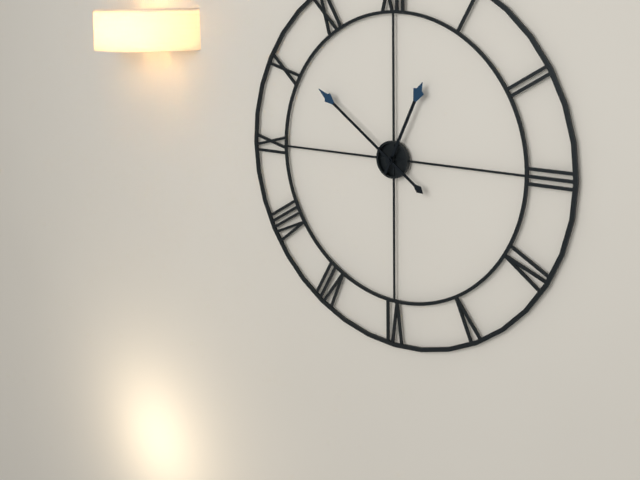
h=12 m=51
